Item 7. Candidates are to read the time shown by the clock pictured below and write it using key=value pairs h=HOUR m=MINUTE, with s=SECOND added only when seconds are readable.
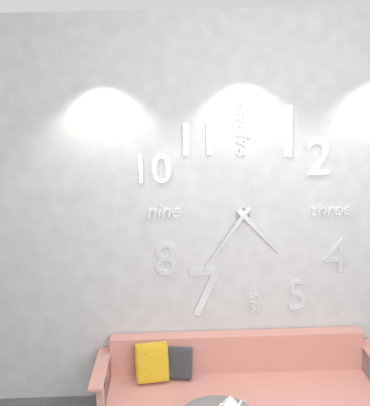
h=4 m=36
